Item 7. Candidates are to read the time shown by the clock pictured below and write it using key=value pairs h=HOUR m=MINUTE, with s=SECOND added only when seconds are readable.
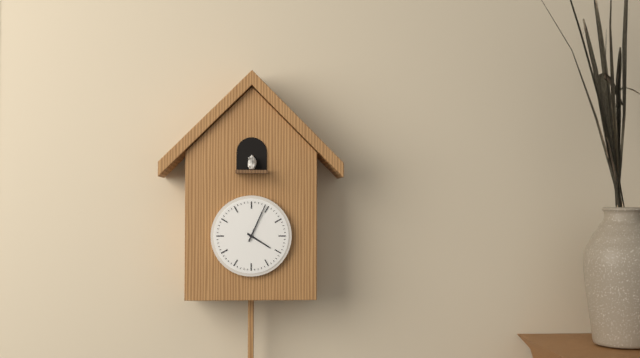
h=4 m=4
